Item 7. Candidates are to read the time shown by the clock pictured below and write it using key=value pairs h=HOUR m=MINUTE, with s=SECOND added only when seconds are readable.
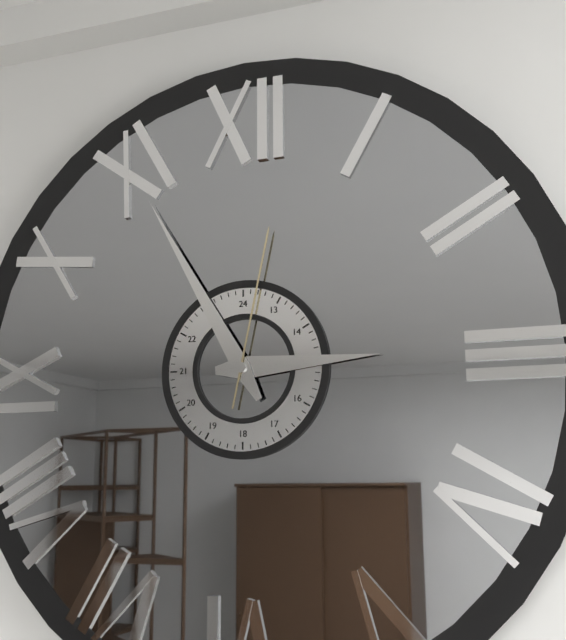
h=2 m=55 s=2
